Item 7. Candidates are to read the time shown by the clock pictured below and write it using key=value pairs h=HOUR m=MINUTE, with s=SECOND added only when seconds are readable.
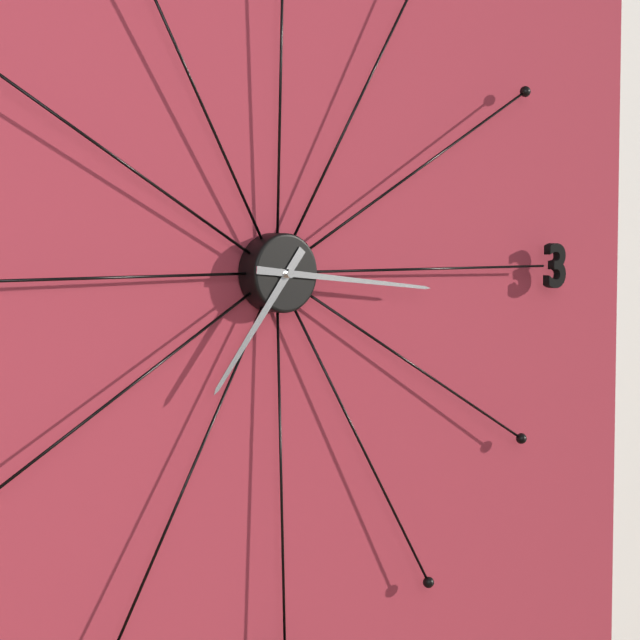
h=7 m=16
